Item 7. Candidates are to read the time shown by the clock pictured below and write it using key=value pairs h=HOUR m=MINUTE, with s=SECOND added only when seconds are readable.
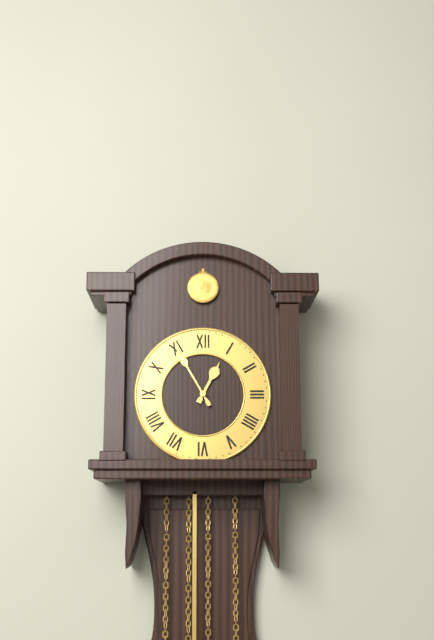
h=12 m=55
